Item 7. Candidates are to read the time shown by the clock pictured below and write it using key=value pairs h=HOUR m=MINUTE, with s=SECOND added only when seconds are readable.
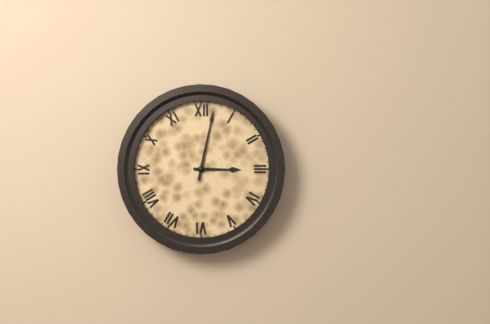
h=3 m=2
